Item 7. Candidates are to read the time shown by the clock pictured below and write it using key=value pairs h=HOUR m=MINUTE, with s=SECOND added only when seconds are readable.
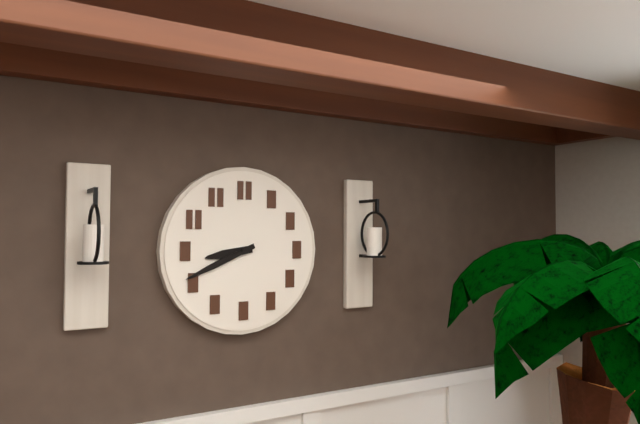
h=8 m=41
